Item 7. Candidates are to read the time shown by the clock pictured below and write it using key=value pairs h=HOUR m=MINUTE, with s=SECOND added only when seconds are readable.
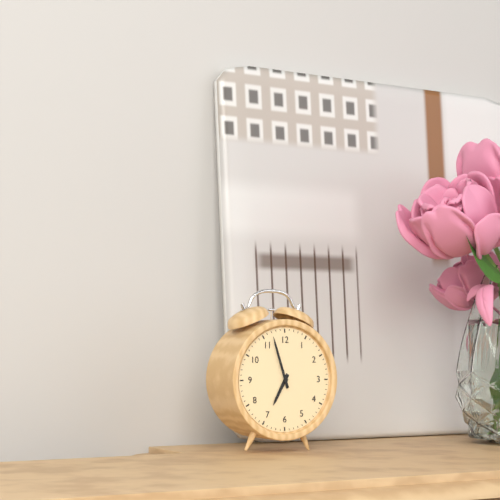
h=6 m=57
